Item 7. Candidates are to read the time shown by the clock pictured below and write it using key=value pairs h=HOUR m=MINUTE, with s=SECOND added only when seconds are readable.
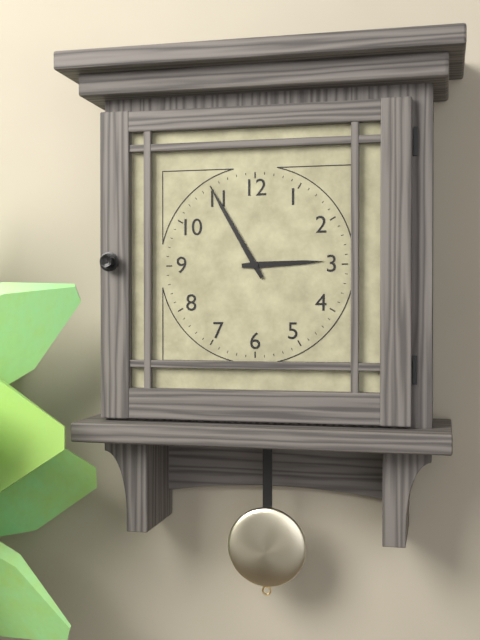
h=2 m=55
